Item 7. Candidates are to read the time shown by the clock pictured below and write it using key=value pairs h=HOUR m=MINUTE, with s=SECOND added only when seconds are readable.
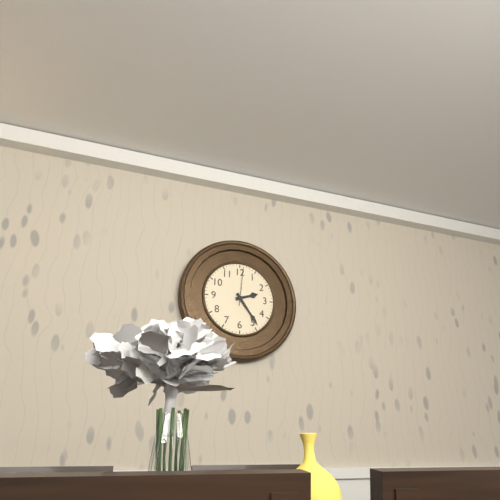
h=2 m=24
